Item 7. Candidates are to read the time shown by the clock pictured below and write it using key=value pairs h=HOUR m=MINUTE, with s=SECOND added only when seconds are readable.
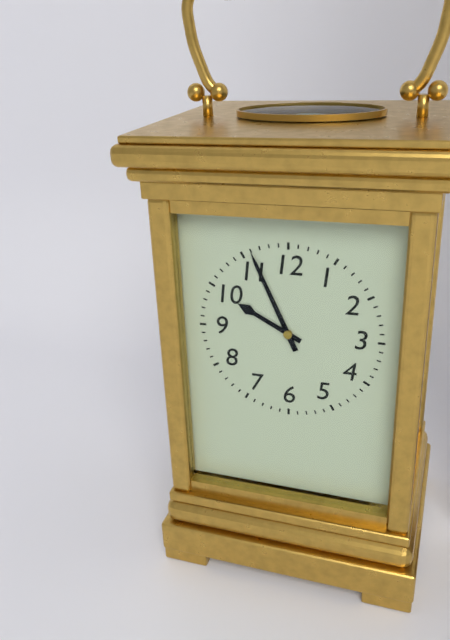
h=9 m=56
